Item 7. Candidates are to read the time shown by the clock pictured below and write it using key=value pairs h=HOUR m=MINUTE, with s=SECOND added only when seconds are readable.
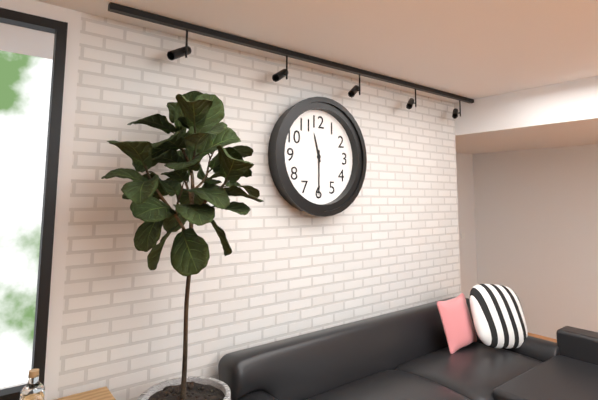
h=11 m=30
